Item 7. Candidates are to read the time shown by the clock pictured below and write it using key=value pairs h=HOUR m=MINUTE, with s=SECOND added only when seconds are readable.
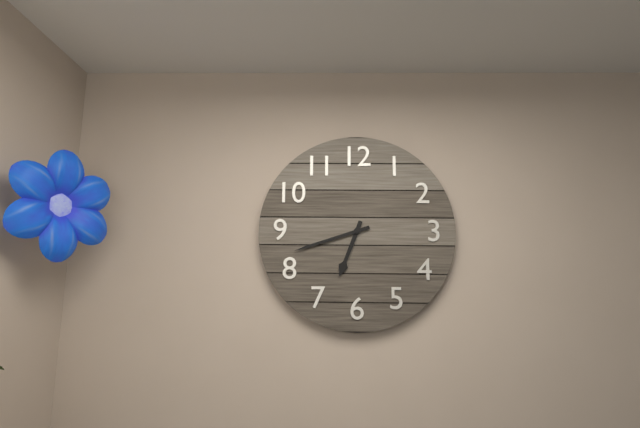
h=6 m=42
